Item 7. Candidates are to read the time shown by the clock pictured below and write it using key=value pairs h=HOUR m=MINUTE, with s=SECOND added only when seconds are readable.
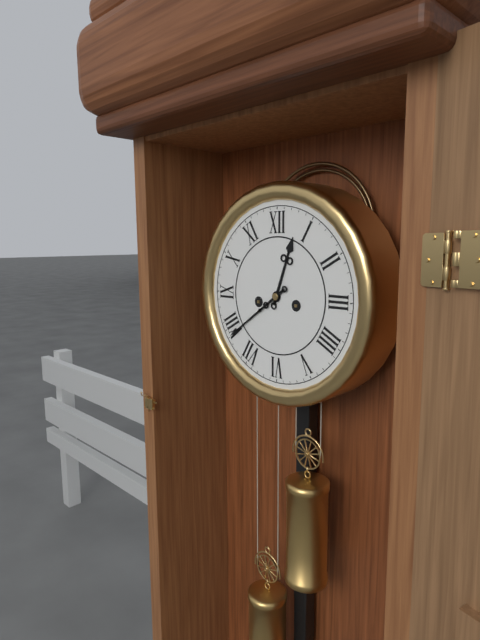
h=12 m=39
